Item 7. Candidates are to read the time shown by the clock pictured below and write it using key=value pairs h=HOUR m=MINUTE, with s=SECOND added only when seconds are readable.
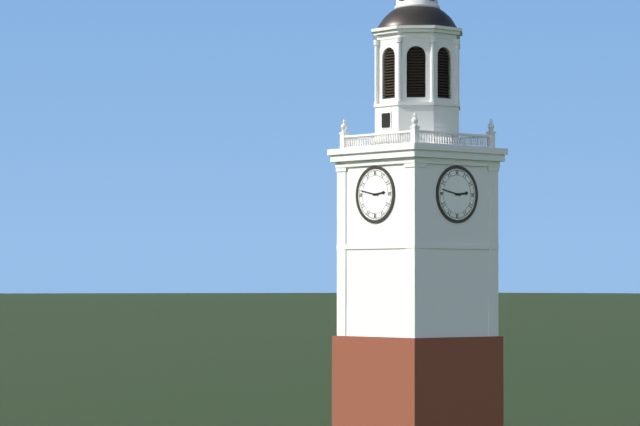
h=2 m=47
